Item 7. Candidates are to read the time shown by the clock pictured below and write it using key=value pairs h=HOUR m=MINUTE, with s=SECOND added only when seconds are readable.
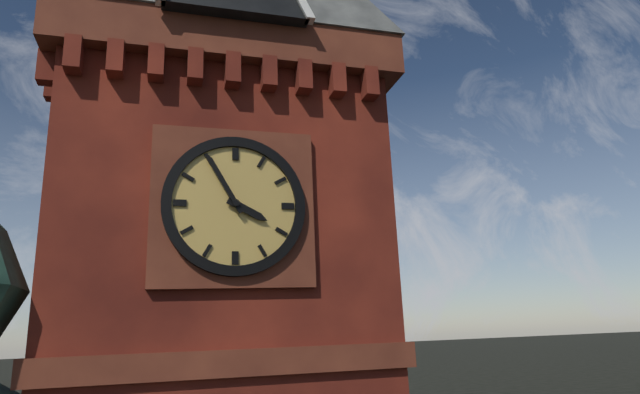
h=3 m=55
